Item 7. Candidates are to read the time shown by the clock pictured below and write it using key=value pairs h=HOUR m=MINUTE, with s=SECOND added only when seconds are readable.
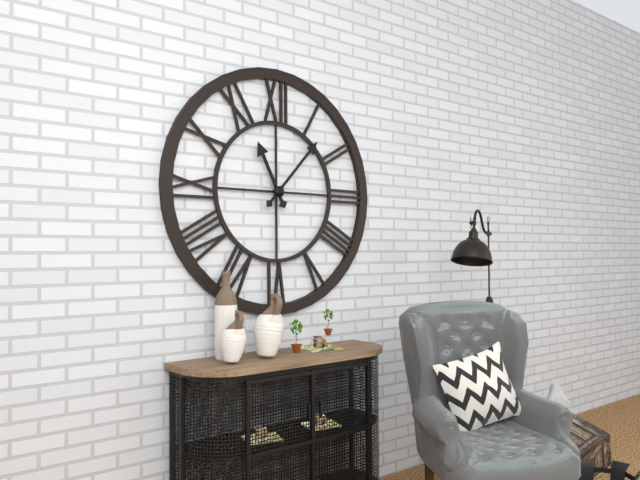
h=11 m=7
